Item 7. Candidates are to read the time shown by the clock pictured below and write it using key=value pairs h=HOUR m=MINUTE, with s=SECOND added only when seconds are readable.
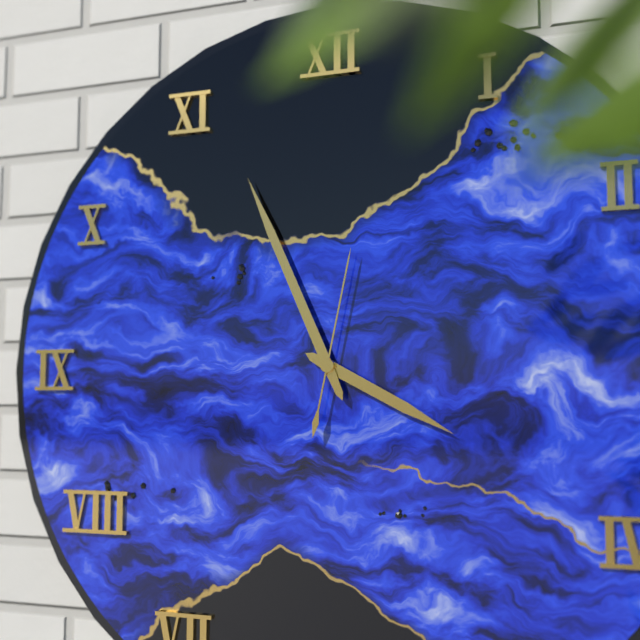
h=3 m=56 s=2
